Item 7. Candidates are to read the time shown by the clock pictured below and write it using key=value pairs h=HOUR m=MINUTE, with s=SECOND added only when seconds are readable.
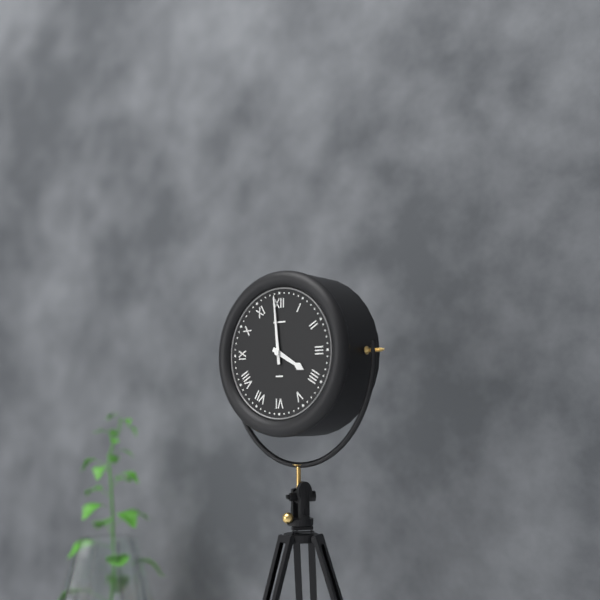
h=3 m=59
